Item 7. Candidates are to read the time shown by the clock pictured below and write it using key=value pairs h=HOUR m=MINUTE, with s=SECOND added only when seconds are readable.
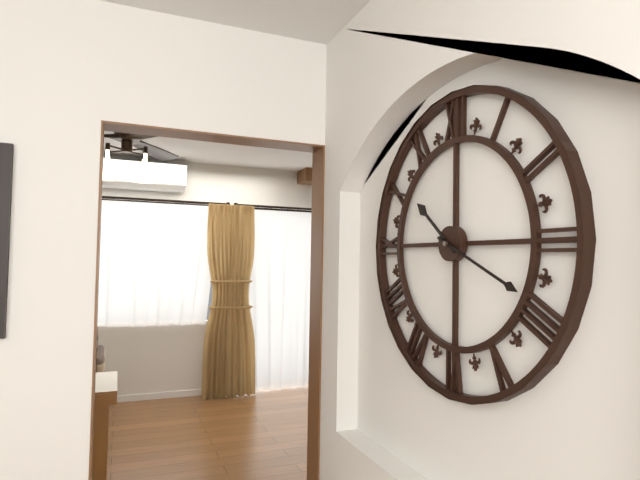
h=10 m=19
